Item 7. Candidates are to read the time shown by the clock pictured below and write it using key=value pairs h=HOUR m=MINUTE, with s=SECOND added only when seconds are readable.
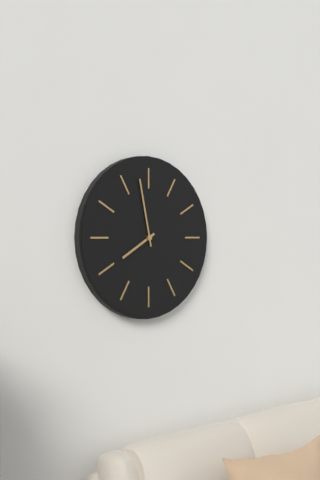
h=7 m=58
